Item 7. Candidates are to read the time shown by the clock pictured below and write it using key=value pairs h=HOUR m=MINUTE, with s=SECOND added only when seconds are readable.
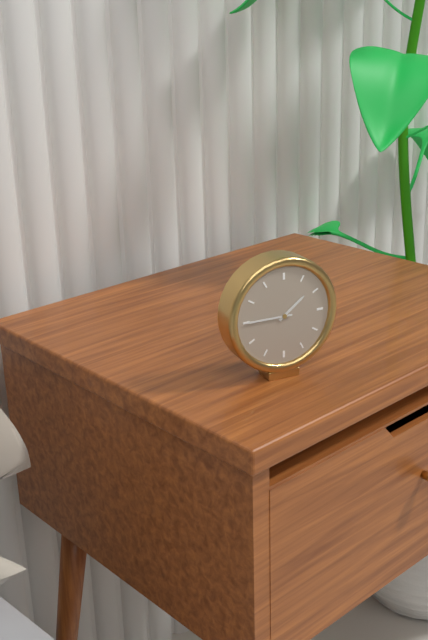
h=1 m=45
